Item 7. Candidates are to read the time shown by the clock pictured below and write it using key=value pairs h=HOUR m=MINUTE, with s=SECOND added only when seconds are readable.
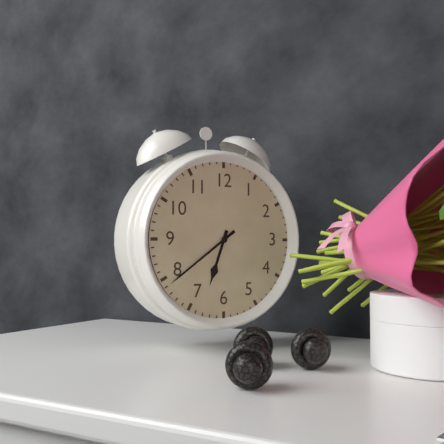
h=6 m=39
